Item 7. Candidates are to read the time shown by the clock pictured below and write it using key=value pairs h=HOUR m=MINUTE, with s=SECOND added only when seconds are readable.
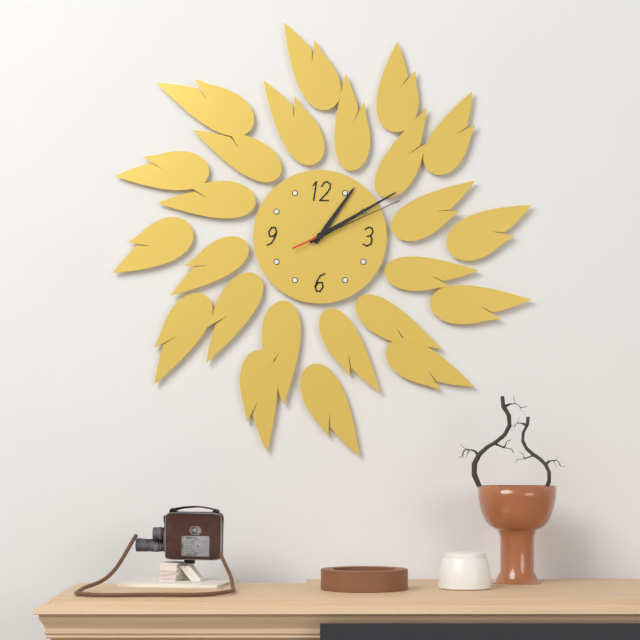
h=1 m=10 s=11
